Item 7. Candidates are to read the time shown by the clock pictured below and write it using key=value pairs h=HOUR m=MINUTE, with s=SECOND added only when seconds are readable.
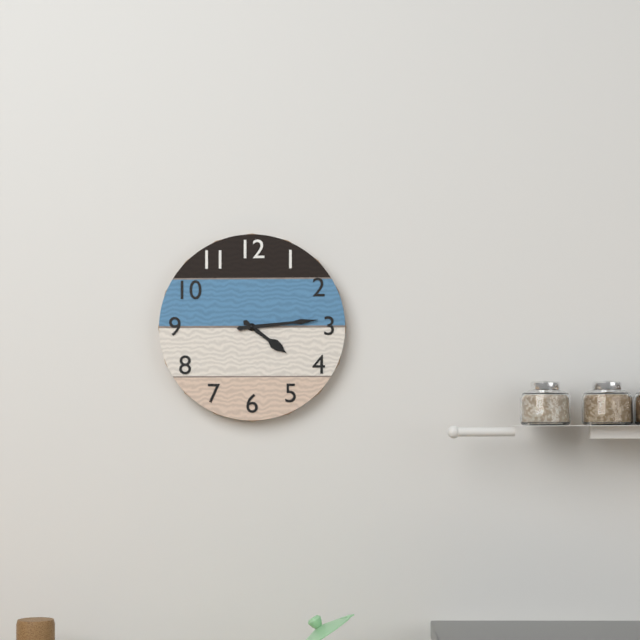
h=4 m=14
